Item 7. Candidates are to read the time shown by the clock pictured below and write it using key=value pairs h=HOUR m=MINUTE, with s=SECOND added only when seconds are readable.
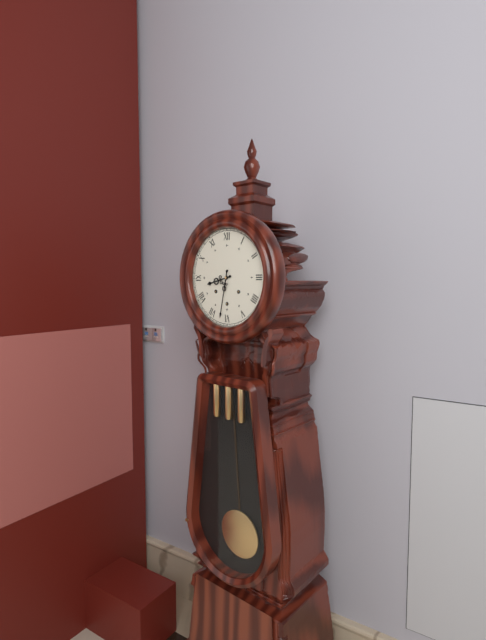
h=8 m=32
